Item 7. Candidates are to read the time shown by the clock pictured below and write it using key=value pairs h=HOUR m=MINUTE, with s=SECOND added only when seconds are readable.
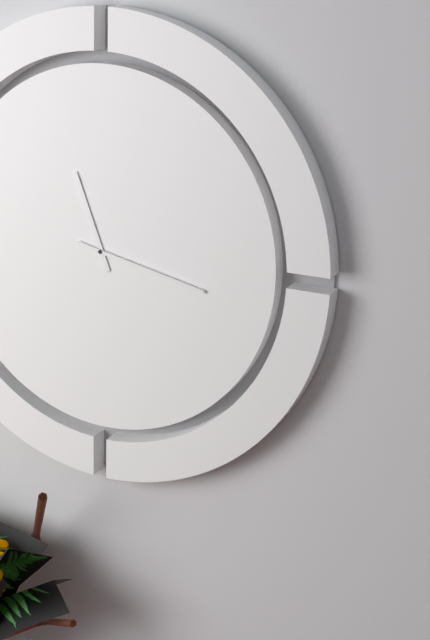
h=11 m=17
